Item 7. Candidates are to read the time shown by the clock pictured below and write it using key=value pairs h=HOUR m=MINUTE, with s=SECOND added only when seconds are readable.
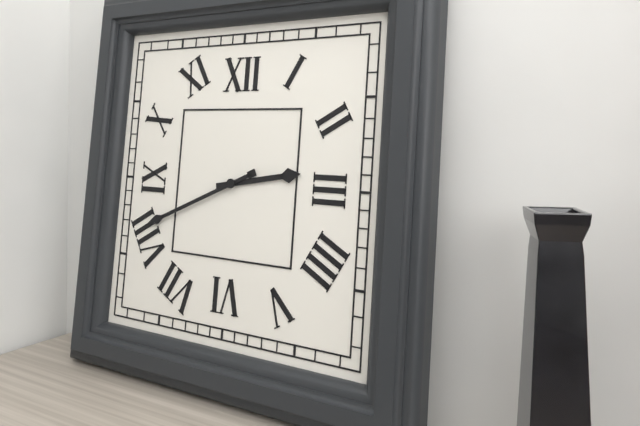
h=2 m=41
